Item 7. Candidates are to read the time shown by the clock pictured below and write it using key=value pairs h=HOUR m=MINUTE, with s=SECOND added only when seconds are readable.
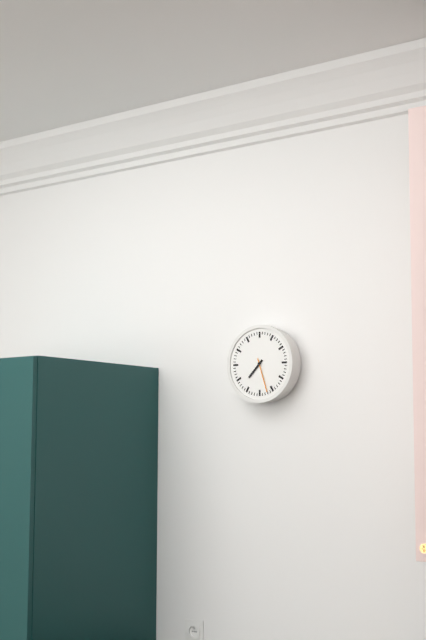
h=7 m=27
